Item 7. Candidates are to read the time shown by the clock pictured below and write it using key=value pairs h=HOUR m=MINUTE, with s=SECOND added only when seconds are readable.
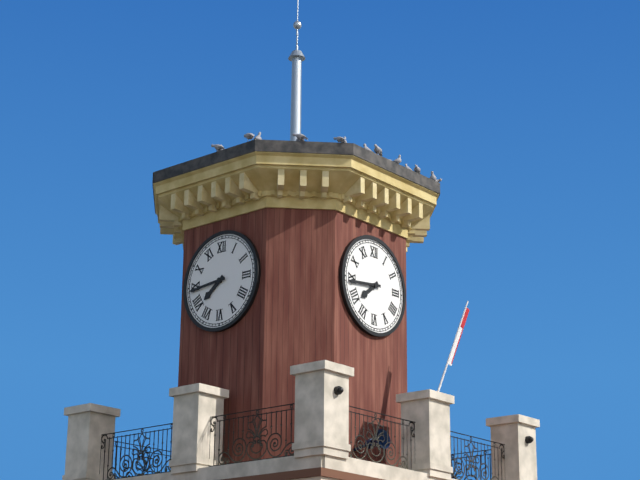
h=7 m=44
